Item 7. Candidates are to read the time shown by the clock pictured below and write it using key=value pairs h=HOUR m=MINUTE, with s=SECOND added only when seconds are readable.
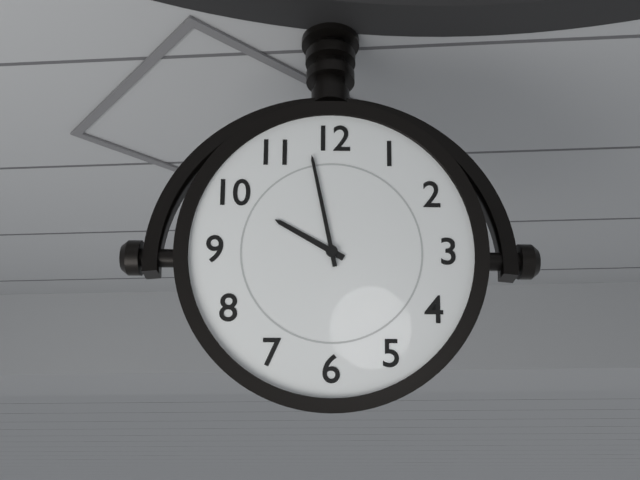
h=9 m=58
